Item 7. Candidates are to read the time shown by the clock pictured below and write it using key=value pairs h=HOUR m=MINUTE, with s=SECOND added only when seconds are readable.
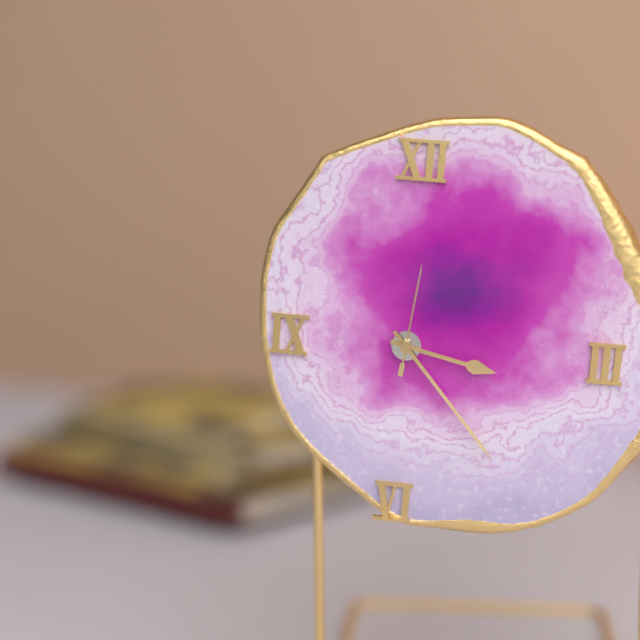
h=3 m=23 s=1
